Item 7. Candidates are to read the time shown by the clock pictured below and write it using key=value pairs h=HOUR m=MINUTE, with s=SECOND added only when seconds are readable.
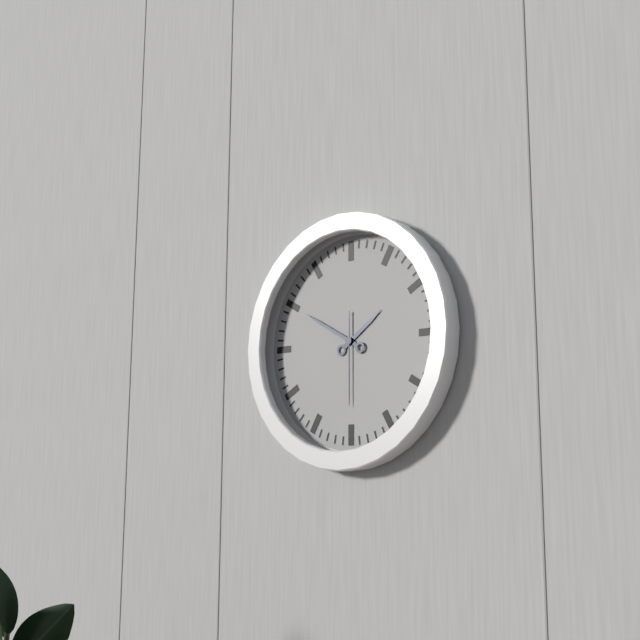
h=1 m=50 s=30
